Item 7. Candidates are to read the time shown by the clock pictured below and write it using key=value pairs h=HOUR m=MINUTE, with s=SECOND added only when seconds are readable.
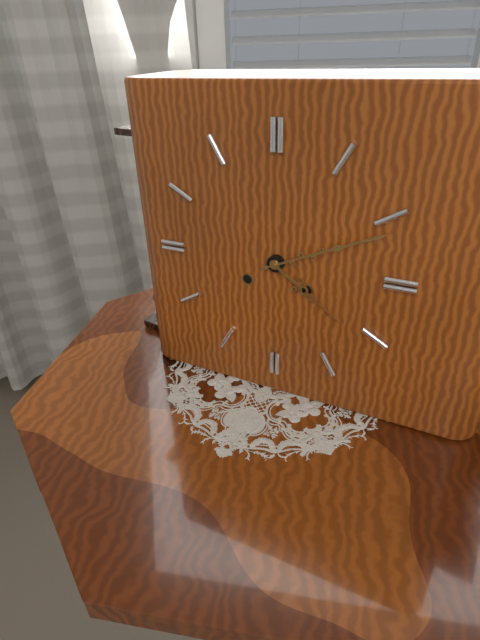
h=4 m=11
